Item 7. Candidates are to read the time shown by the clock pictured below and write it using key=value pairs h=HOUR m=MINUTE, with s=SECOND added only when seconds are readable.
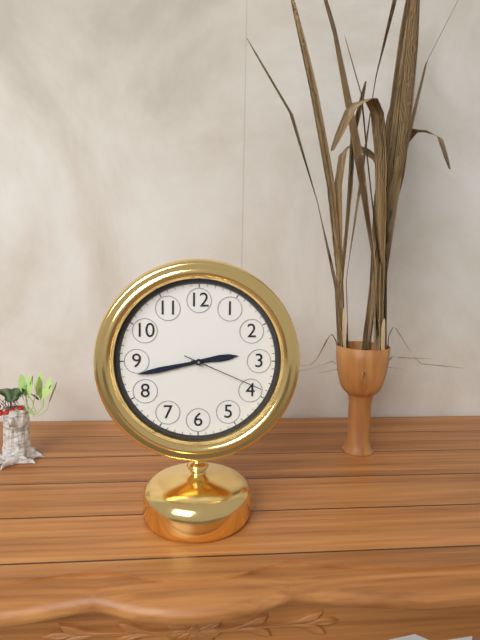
h=2 m=43 s=19
